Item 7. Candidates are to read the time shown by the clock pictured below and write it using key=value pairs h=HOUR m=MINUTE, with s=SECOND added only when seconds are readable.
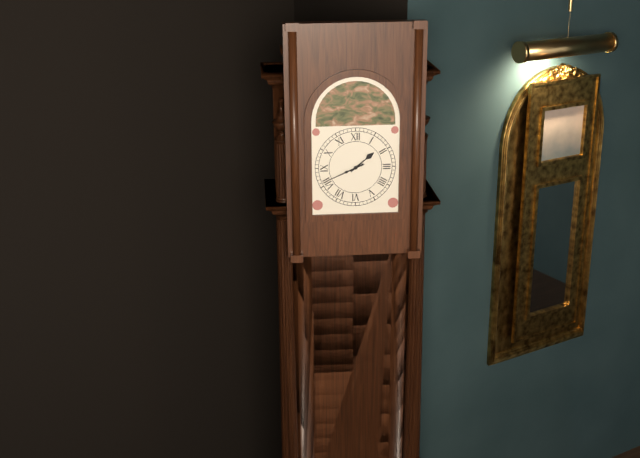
h=1 m=41
